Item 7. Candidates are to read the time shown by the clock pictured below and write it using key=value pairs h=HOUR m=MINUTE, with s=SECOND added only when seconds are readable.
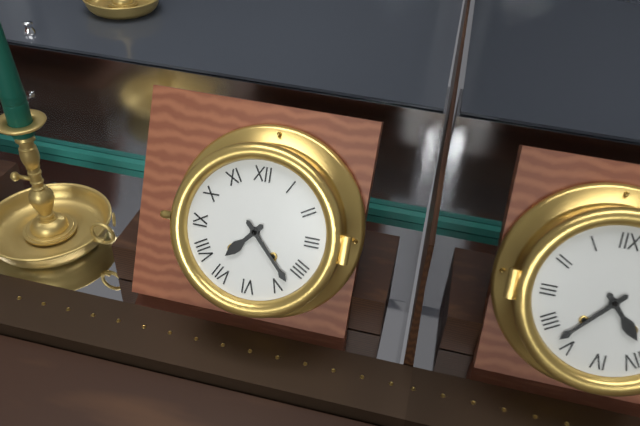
h=7 m=23
